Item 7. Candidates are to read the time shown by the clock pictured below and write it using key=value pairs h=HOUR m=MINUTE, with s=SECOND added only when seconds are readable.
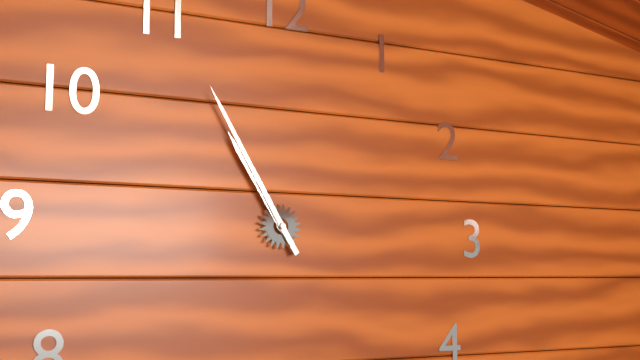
h=10 m=55
